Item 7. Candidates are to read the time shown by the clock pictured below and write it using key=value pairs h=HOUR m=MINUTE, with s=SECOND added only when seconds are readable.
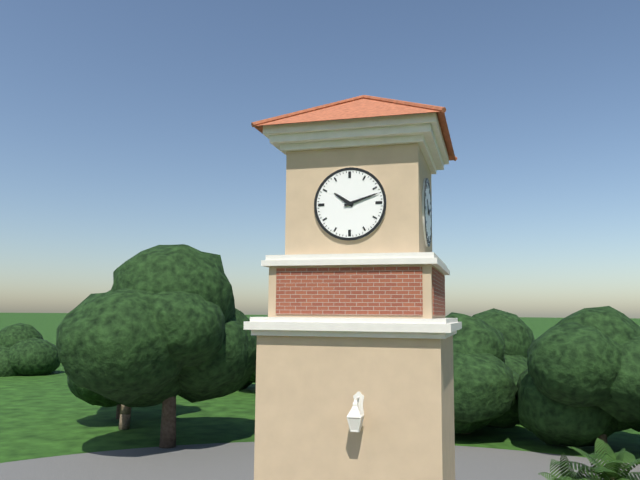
h=10 m=12
